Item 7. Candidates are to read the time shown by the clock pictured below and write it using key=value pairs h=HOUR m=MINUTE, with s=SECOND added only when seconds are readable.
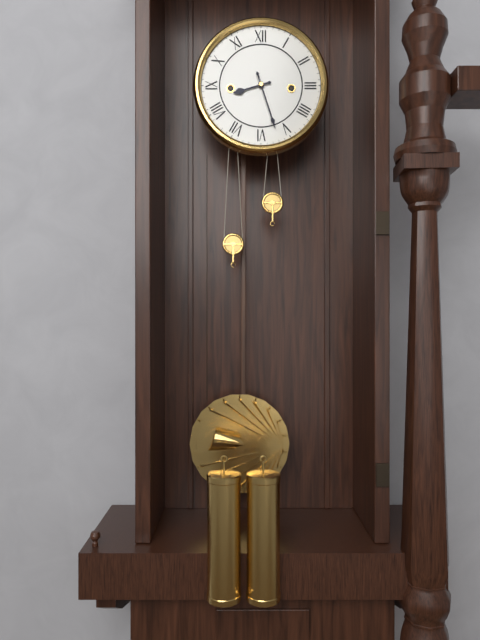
h=8 m=27
